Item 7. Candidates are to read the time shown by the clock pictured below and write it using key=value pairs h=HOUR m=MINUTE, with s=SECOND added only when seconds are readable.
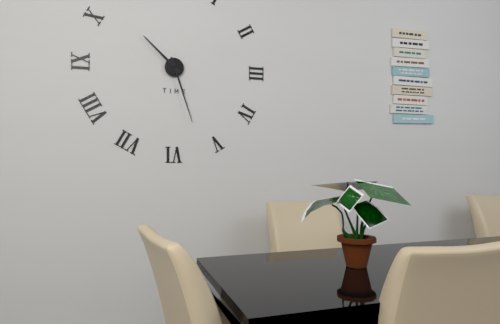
h=10 m=27
